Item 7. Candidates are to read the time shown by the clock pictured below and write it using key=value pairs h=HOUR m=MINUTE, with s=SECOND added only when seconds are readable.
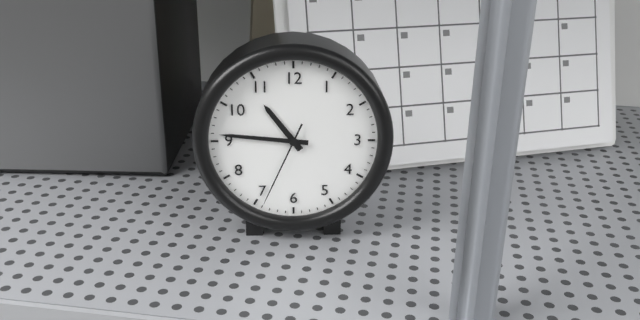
h=10 m=46 s=34
